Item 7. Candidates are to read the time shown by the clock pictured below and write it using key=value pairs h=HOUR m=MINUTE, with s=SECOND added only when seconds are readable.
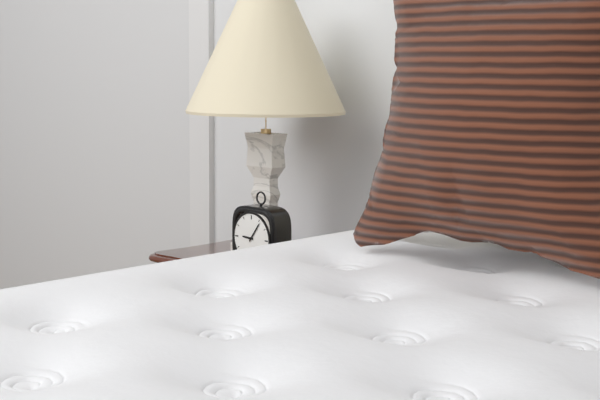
h=9 m=6
